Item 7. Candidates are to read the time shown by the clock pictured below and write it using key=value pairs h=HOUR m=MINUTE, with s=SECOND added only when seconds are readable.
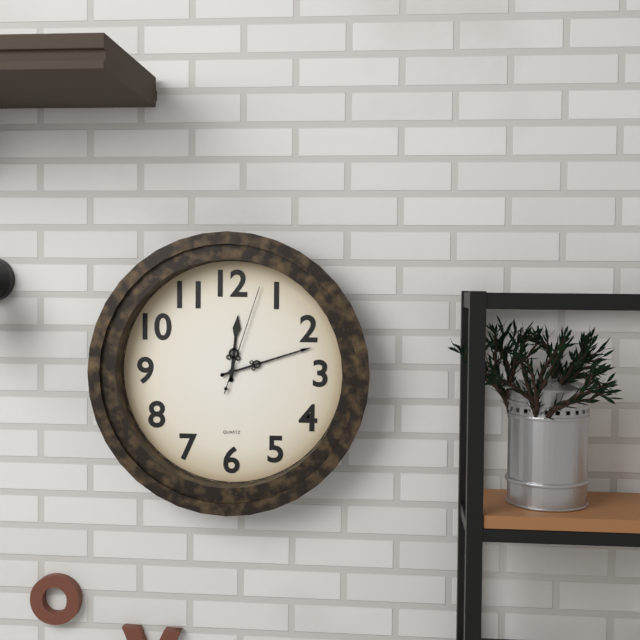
h=12 m=12 s=3
